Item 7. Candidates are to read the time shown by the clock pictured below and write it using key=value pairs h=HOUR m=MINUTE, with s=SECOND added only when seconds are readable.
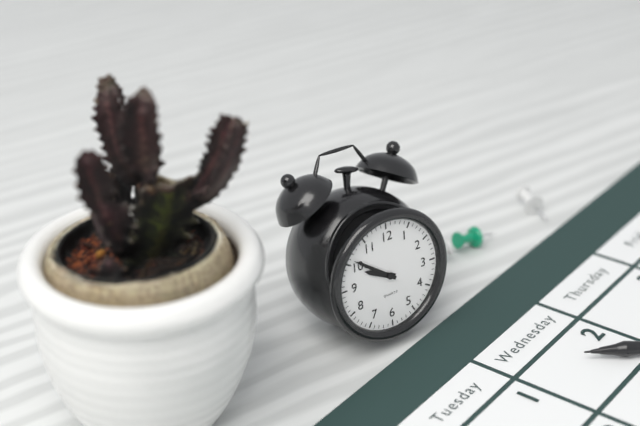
h=9 m=51
